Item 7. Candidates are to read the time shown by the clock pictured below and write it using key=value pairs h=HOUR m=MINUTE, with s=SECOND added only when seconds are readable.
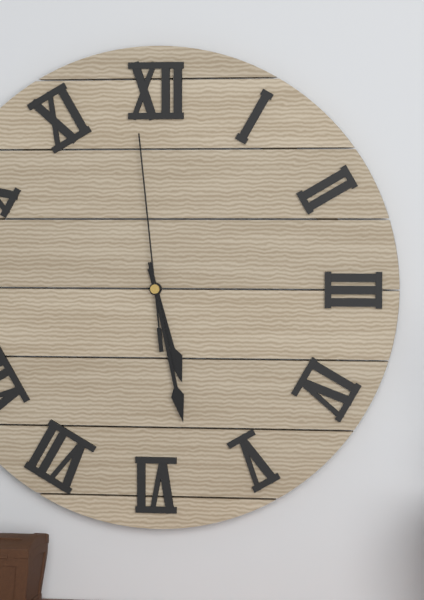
h=5 m=28 s=59
